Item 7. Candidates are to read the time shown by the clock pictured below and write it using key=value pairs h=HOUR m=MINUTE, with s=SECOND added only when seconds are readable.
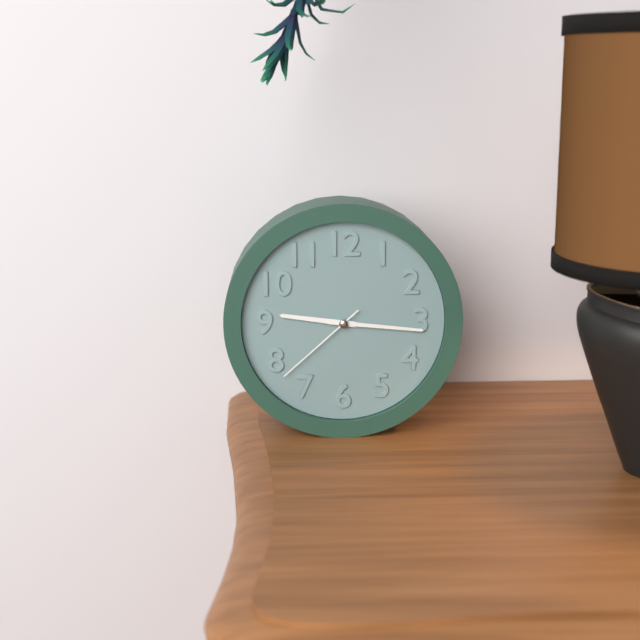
h=9 m=16 s=38
